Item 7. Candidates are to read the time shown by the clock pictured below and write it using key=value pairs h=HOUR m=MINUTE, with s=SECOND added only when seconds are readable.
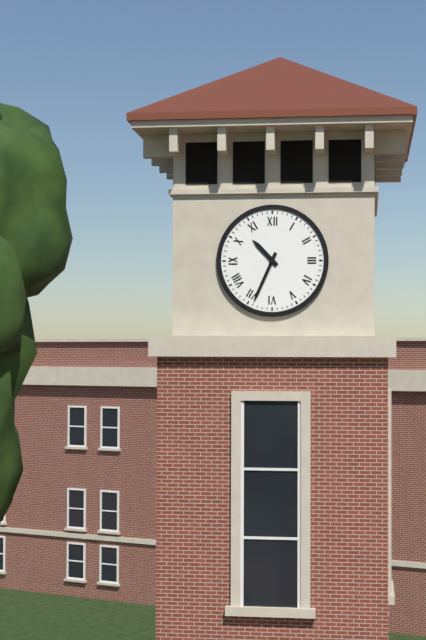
h=10 m=34
